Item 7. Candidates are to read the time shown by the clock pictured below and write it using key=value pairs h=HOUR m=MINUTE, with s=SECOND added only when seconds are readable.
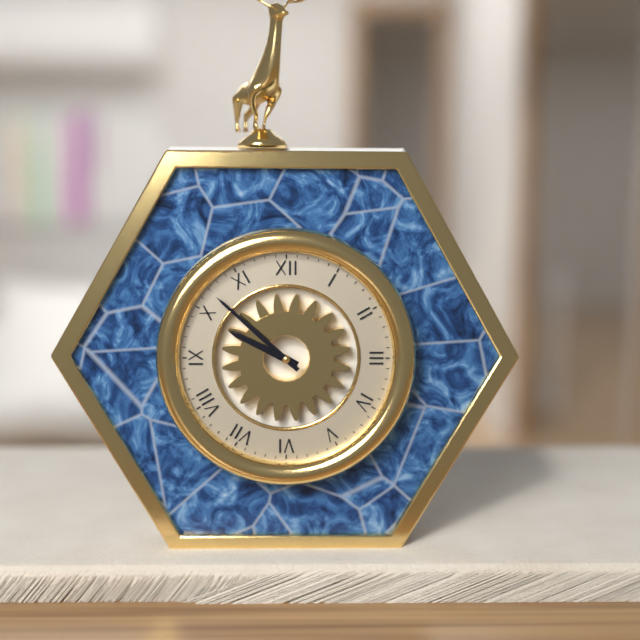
h=9 m=52
